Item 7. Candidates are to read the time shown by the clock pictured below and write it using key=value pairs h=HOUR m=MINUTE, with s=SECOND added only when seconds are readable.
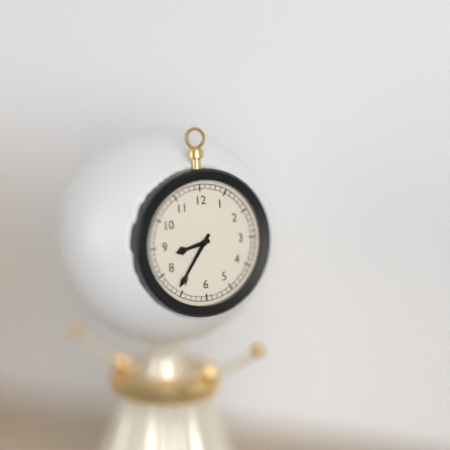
h=8 m=36
